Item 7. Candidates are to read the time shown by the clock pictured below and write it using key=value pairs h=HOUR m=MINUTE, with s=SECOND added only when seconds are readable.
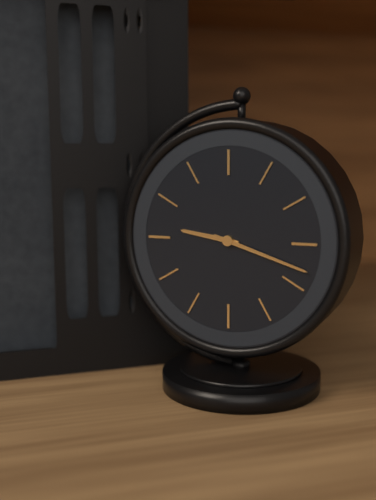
h=9 m=18
